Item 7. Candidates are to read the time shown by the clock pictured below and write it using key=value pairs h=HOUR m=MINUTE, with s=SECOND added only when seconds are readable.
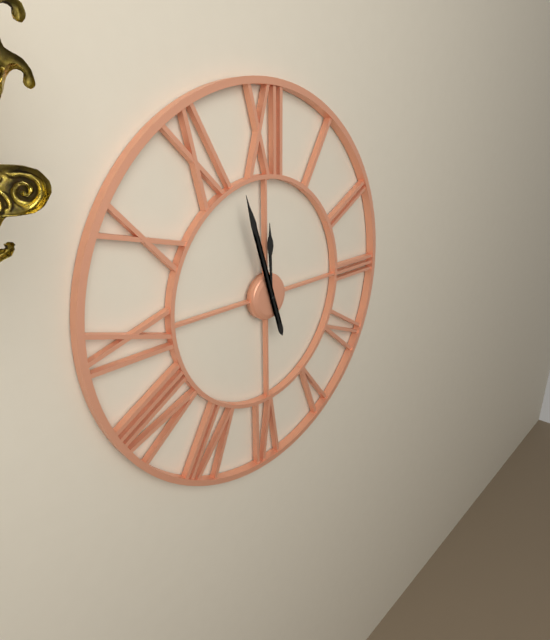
h=11 m=57
